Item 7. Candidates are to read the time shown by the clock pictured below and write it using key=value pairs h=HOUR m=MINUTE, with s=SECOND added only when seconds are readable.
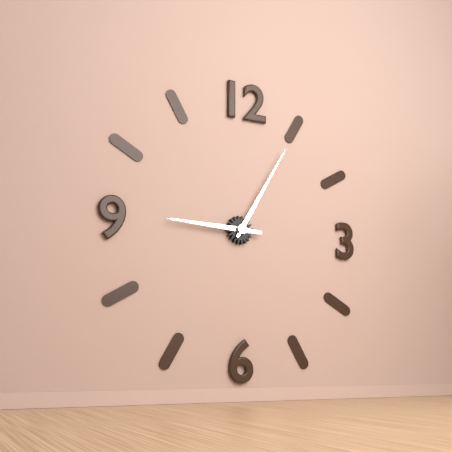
h=9 m=5
